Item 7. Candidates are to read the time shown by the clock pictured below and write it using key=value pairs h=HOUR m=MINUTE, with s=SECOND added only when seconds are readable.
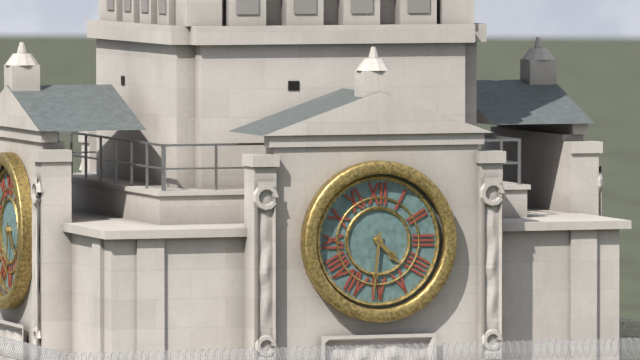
h=4 m=31
